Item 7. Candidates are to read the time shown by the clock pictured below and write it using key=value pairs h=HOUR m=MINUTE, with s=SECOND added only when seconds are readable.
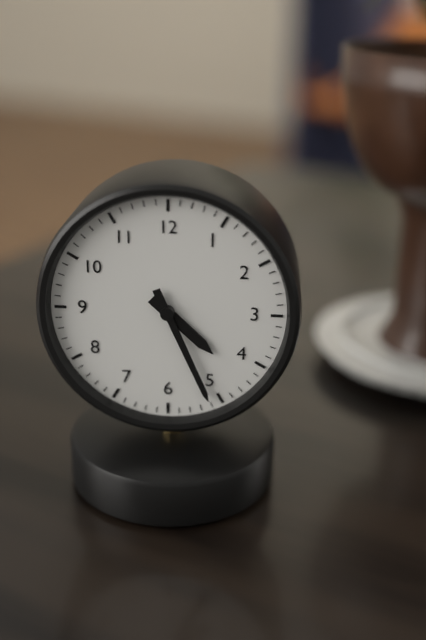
h=4 m=26
